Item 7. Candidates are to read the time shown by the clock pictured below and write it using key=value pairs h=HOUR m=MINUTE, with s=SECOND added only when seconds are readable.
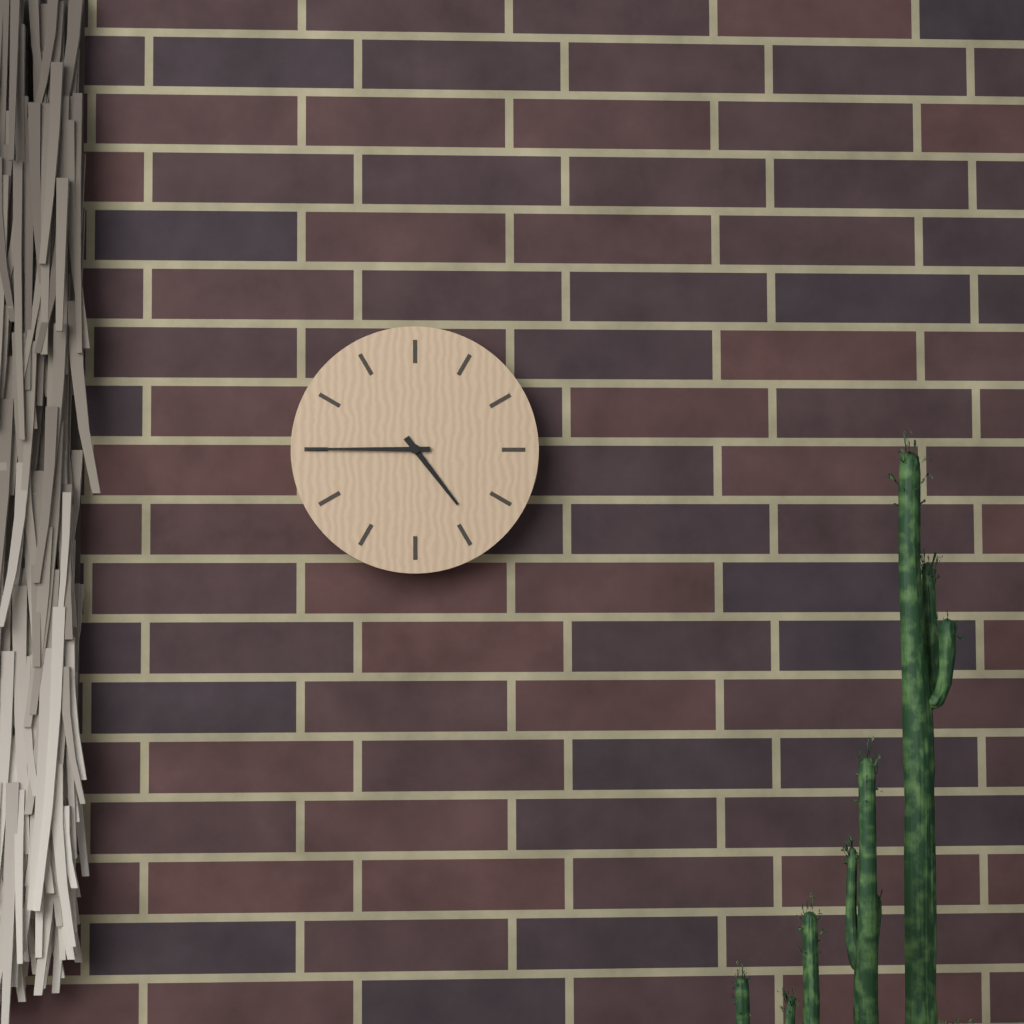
h=4 m=45
